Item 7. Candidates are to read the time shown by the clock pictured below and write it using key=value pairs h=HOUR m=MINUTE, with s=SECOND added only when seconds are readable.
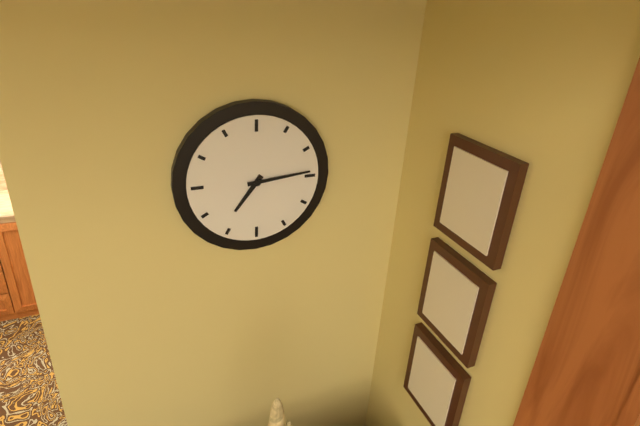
h=7 m=14
